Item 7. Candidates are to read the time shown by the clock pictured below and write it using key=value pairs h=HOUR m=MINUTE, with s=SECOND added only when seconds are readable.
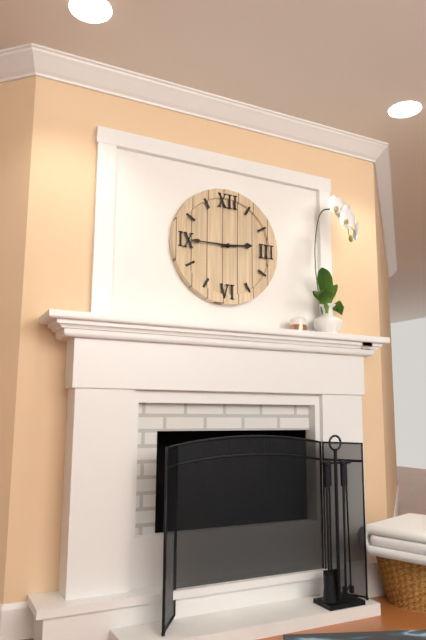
h=2 m=45
